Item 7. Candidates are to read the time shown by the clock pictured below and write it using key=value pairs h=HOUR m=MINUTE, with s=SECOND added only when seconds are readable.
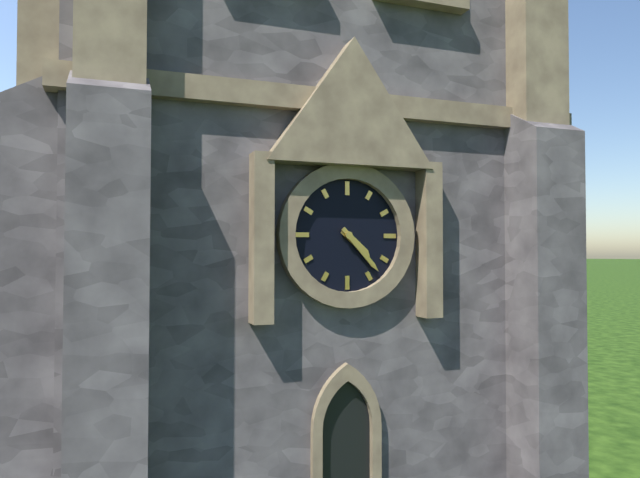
h=4 m=23
